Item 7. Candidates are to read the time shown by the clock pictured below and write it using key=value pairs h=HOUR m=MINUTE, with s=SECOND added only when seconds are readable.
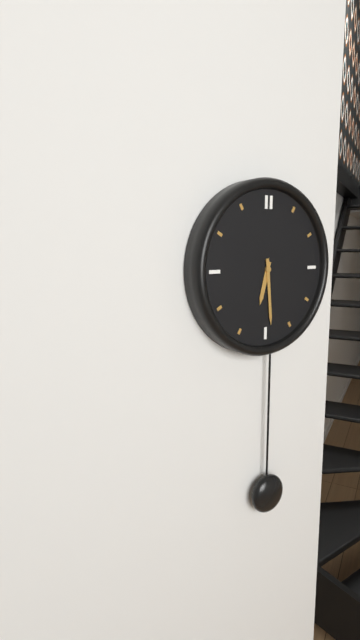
h=6 m=29
